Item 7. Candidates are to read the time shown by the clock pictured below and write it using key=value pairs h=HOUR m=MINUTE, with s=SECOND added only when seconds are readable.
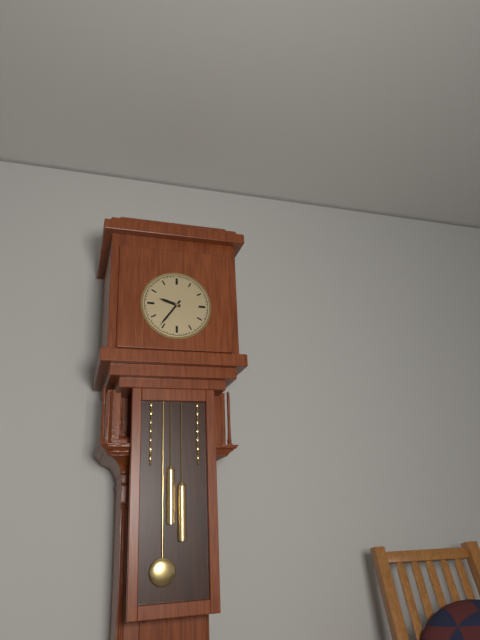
h=9 m=36
